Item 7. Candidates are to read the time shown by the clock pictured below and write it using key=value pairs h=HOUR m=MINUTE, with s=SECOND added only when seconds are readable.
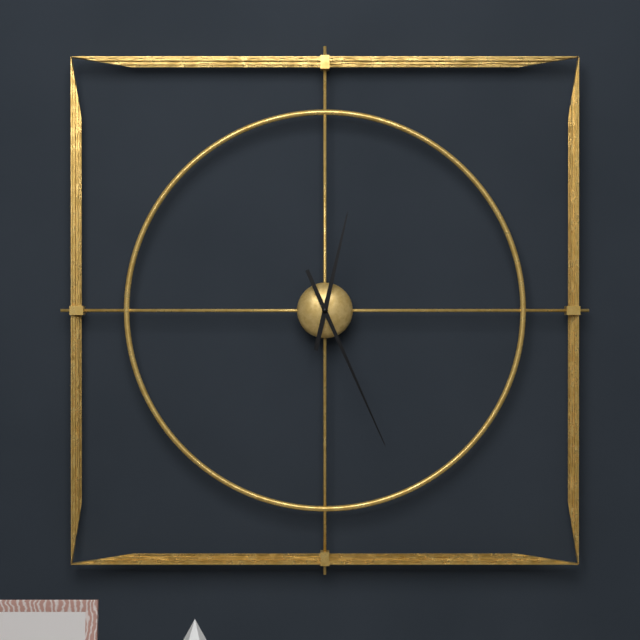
h=12 m=26
